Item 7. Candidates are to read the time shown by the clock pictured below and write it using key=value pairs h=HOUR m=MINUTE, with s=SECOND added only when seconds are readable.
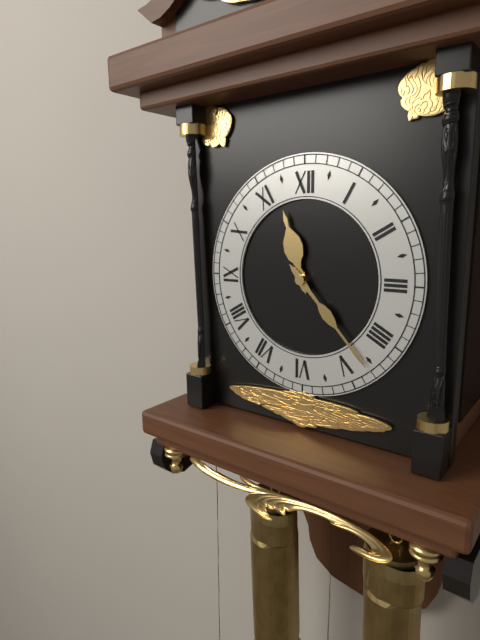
h=11 m=23
